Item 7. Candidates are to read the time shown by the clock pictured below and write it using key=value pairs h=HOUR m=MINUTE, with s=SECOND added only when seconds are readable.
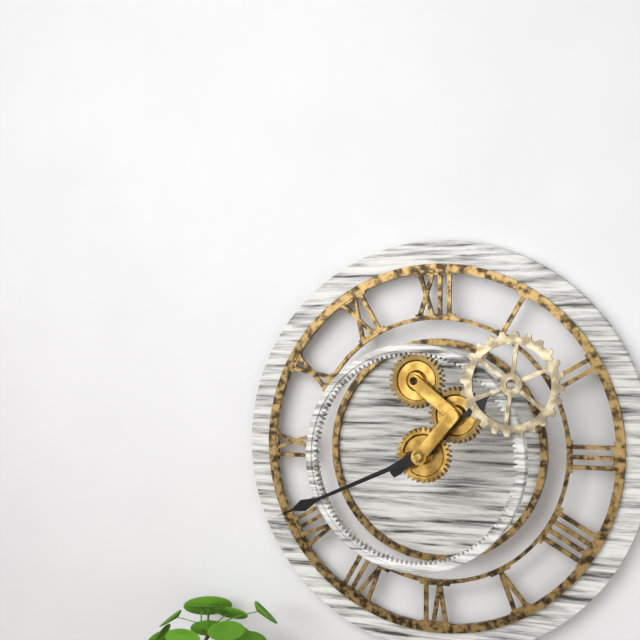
h=1 m=41
